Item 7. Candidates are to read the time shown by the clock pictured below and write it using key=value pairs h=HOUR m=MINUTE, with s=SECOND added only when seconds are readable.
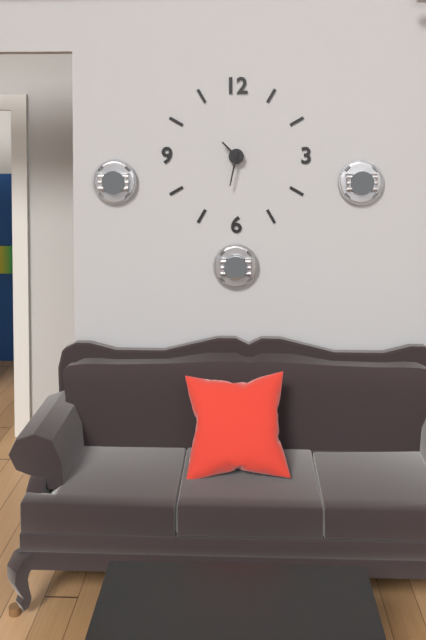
h=10 m=32
